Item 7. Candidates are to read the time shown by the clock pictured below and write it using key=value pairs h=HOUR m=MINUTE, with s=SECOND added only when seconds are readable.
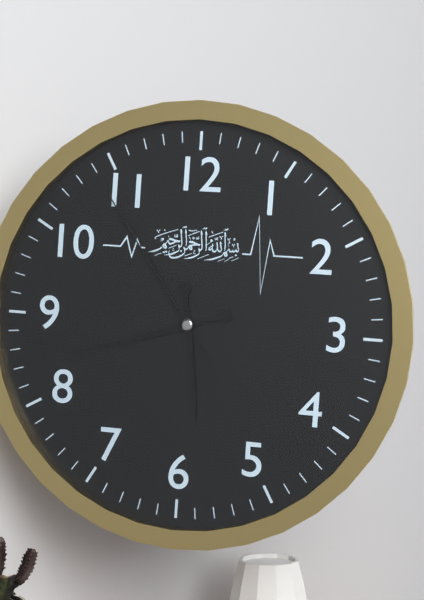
h=5 m=42 s=54
